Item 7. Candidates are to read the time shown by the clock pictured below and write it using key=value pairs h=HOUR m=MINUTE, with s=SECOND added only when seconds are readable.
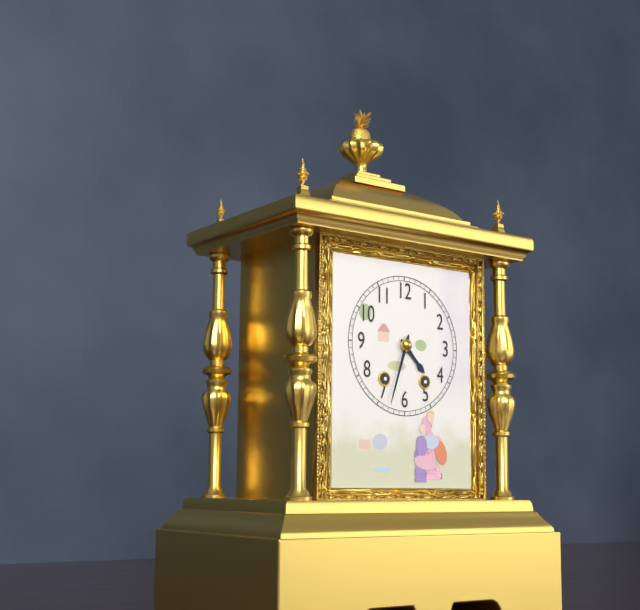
h=4 m=33
